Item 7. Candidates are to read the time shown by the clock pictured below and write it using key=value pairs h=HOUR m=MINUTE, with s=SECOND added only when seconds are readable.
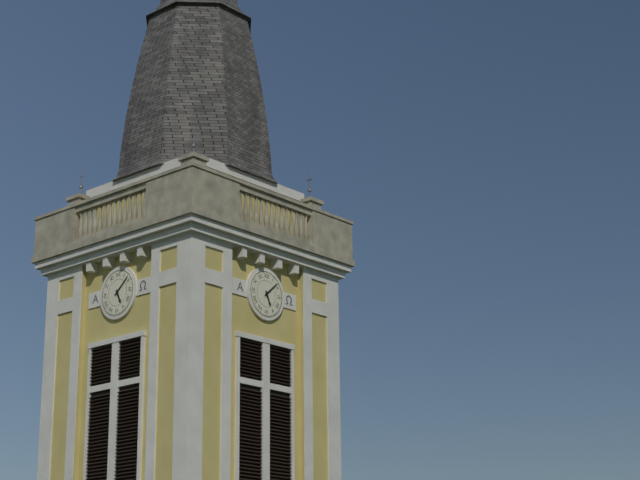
h=5 m=8
